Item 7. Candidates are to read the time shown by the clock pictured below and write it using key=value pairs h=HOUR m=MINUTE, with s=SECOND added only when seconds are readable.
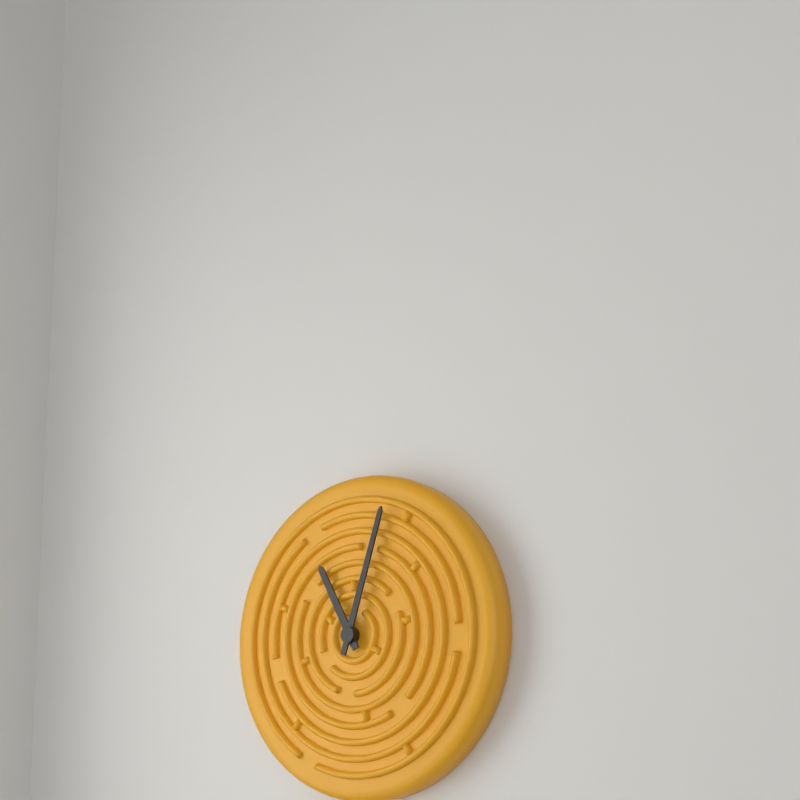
h=11 m=3
